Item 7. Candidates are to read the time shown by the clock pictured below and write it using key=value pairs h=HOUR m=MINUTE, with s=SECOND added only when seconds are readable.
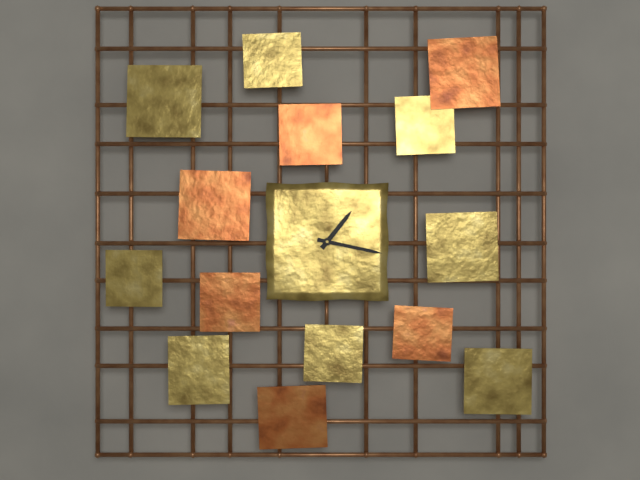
h=1 m=17
